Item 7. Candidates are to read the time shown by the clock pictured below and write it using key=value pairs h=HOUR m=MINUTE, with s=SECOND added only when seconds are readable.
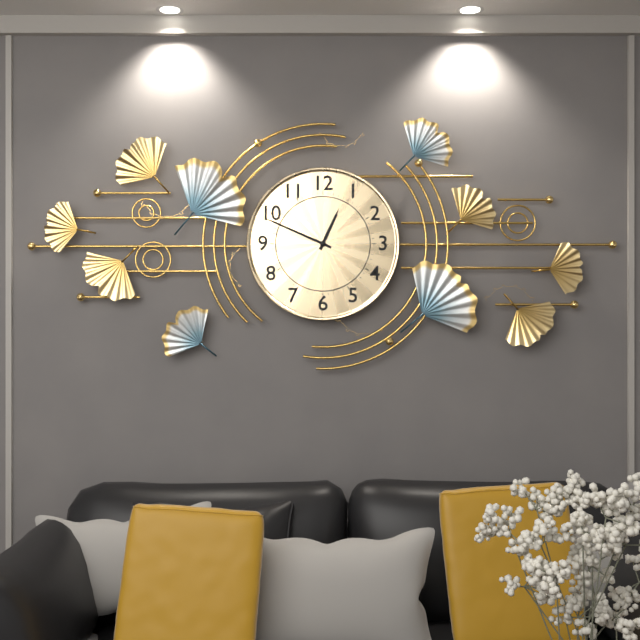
h=12 m=49
